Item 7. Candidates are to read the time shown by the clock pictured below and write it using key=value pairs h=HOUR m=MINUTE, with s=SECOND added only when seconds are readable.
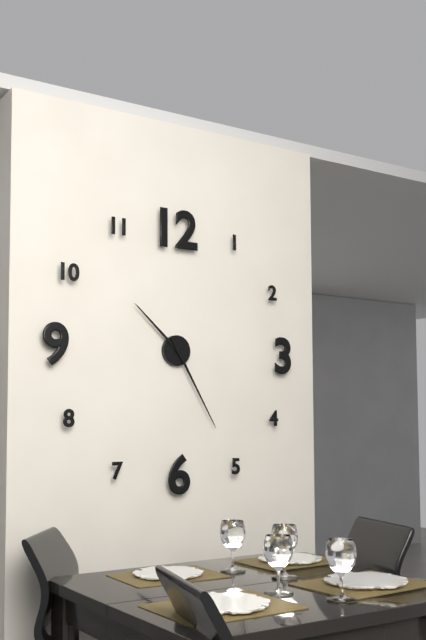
h=10 m=25
